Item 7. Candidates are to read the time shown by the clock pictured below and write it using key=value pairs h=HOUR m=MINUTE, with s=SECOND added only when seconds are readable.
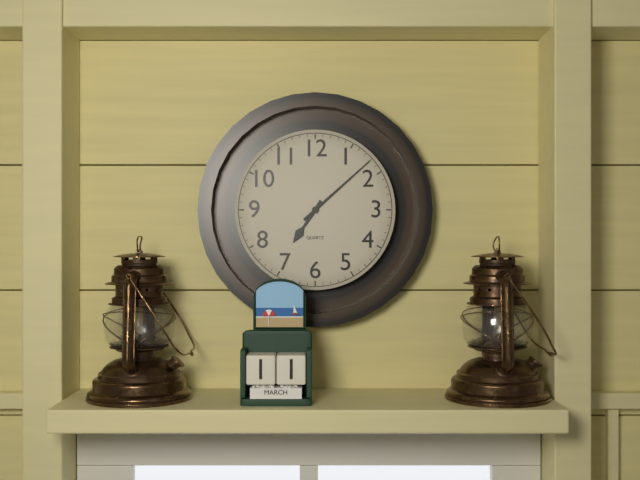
h=7 m=8
